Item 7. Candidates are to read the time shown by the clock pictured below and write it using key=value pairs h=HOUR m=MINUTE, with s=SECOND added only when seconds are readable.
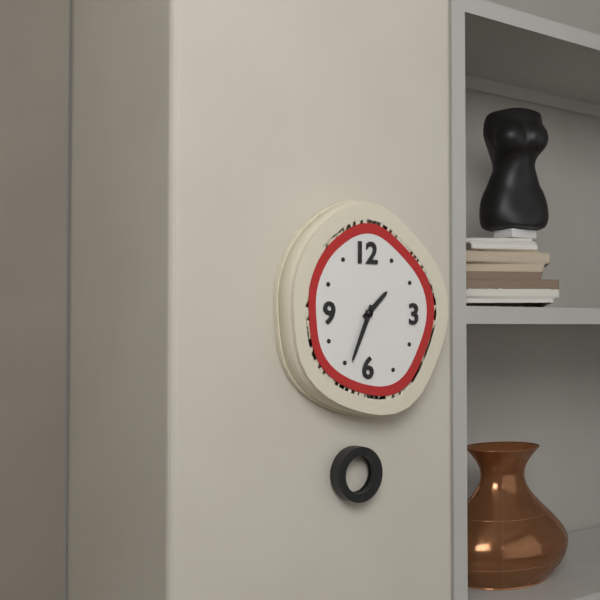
h=1 m=34
